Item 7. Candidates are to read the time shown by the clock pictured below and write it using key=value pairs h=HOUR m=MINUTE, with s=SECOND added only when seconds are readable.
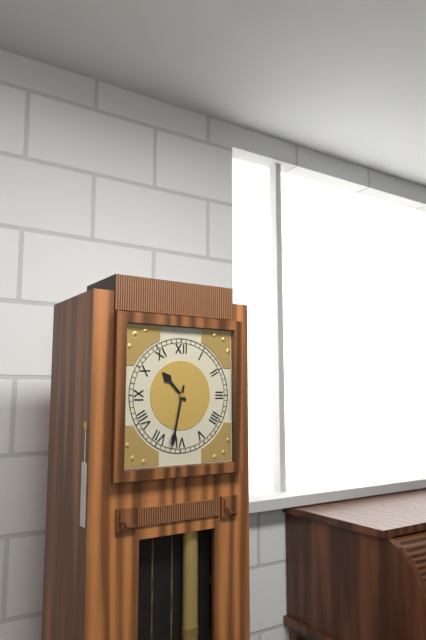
h=10 m=32
